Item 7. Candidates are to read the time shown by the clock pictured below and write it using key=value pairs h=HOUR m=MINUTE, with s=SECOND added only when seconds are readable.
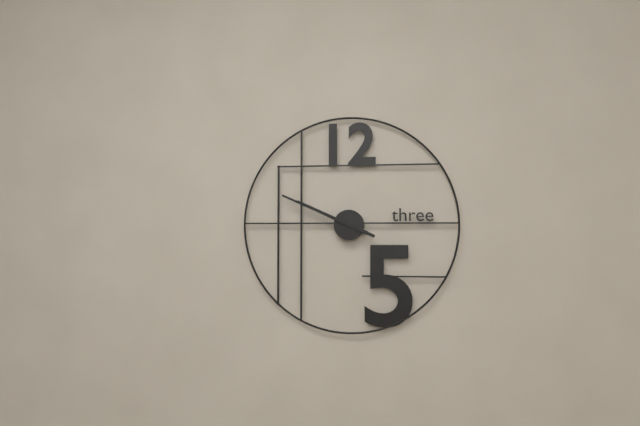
h=9 m=49
